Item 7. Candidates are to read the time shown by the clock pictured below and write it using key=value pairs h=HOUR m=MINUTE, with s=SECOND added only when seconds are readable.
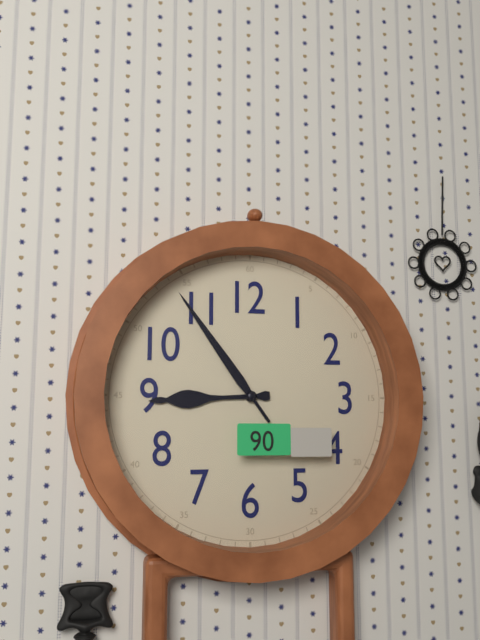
h=8 m=54
